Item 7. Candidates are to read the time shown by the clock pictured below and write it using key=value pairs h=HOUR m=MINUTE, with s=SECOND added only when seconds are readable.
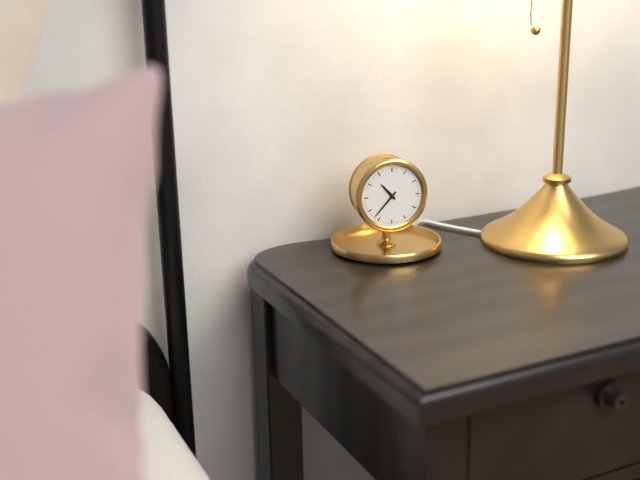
h=10 m=37
